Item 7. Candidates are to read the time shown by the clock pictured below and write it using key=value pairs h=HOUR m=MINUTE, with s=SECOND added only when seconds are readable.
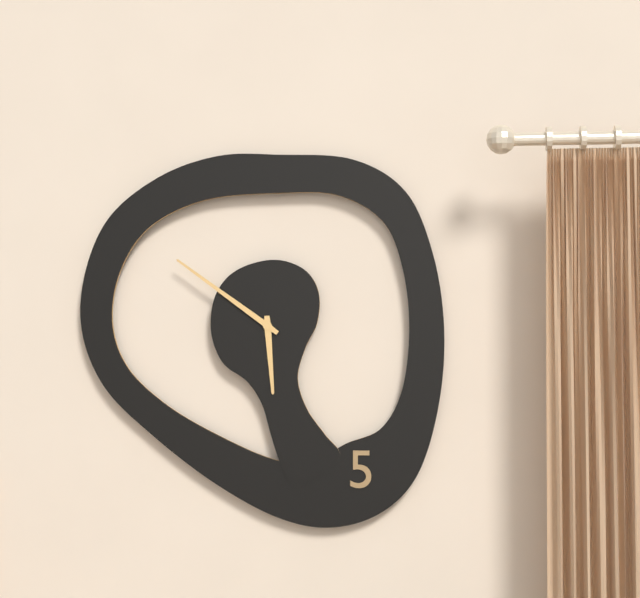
h=5 m=51
